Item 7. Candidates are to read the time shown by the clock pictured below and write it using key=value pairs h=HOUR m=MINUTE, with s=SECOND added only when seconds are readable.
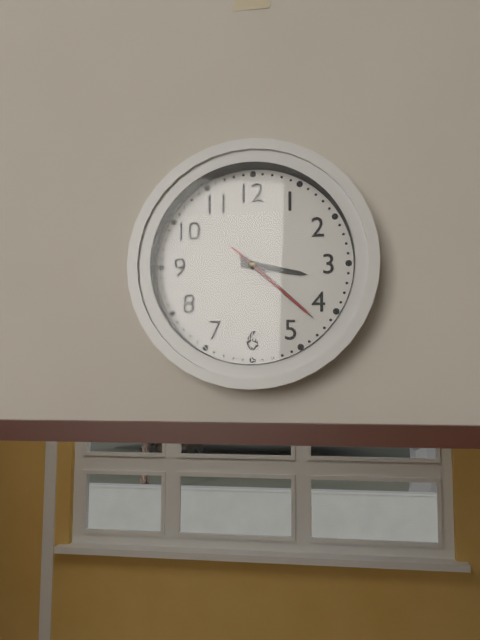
h=3 m=22 s=22
